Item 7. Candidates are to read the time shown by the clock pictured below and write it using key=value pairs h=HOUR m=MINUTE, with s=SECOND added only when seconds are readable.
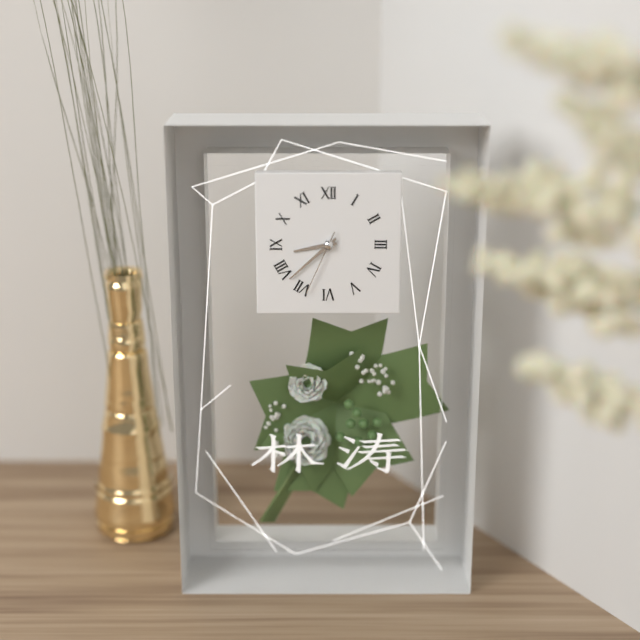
h=8 m=38 s=34
